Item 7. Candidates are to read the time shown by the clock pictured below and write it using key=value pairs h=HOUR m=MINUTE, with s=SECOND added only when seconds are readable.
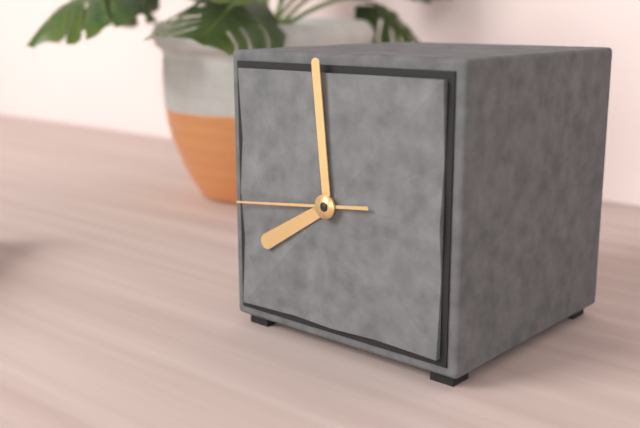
h=7 m=59 s=44
